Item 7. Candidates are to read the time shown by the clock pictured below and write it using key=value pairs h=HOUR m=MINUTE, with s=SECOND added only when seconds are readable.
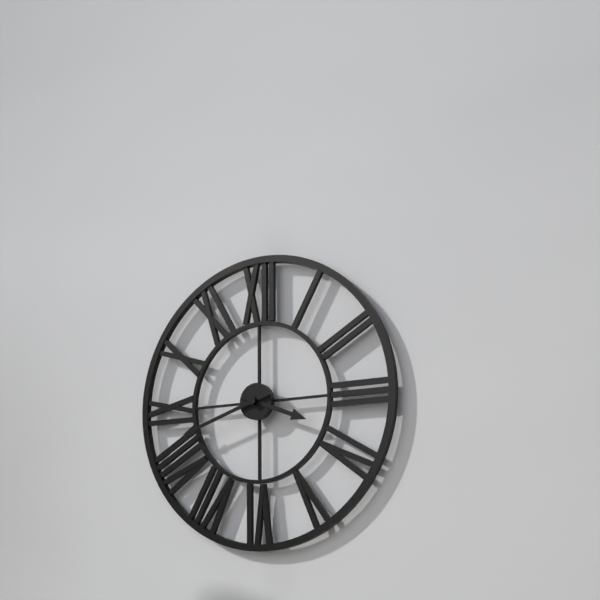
h=3 m=42
